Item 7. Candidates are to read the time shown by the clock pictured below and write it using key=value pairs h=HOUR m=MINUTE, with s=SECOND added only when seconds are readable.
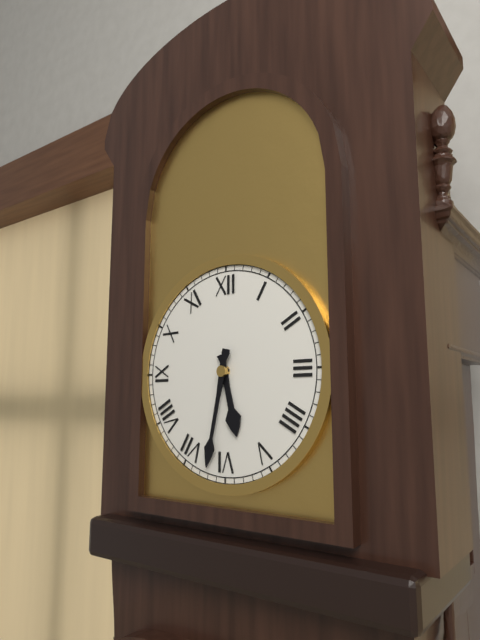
h=5 m=32
